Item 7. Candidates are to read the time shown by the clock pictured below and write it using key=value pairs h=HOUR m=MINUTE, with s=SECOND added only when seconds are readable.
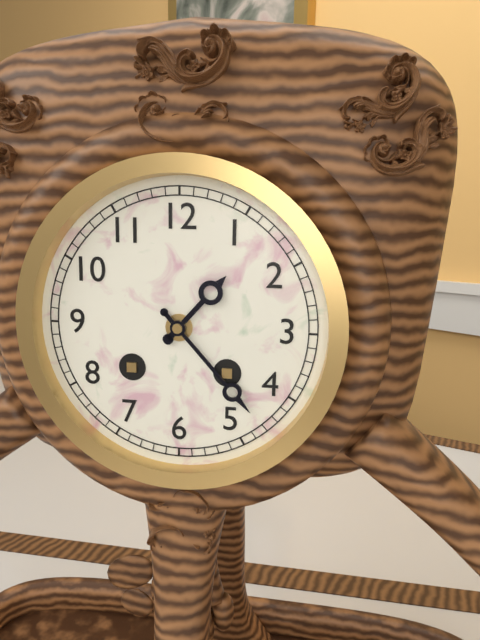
h=1 m=23
